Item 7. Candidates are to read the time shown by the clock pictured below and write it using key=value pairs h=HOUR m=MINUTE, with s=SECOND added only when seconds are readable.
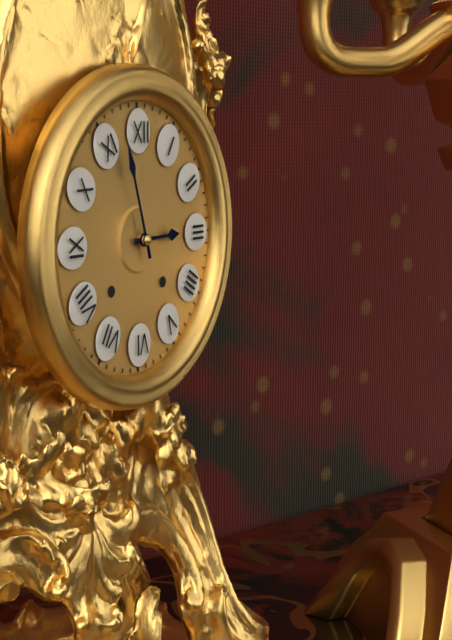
h=2 m=57
